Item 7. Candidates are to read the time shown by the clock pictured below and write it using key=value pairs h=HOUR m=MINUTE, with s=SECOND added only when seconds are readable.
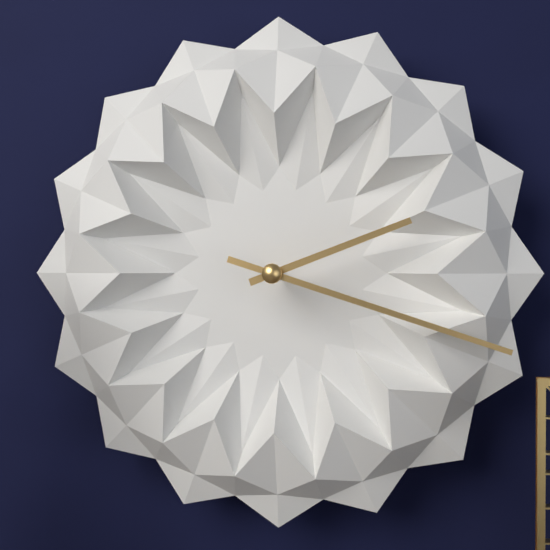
h=2 m=18
